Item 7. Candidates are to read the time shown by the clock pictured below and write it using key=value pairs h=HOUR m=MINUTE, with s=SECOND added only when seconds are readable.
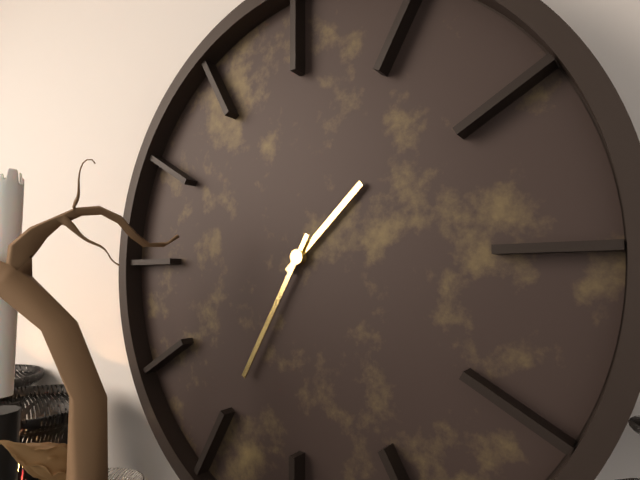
h=1 m=35
